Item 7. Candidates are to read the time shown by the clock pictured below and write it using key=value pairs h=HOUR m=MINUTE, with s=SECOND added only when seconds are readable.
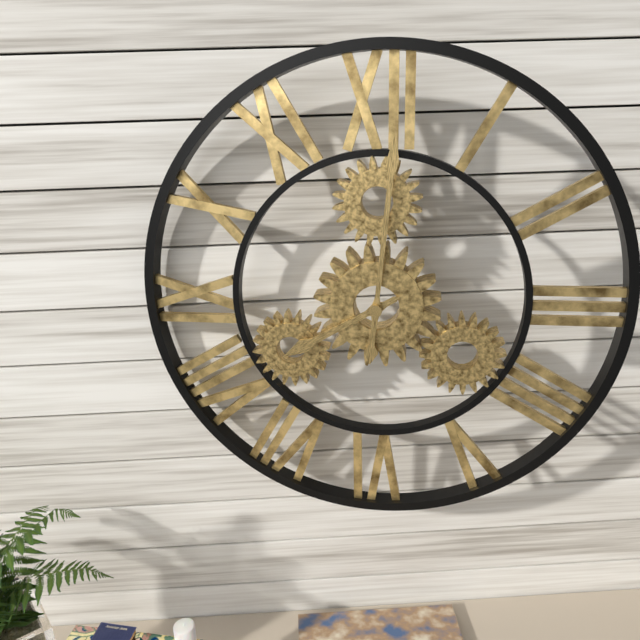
h=8 m=1
